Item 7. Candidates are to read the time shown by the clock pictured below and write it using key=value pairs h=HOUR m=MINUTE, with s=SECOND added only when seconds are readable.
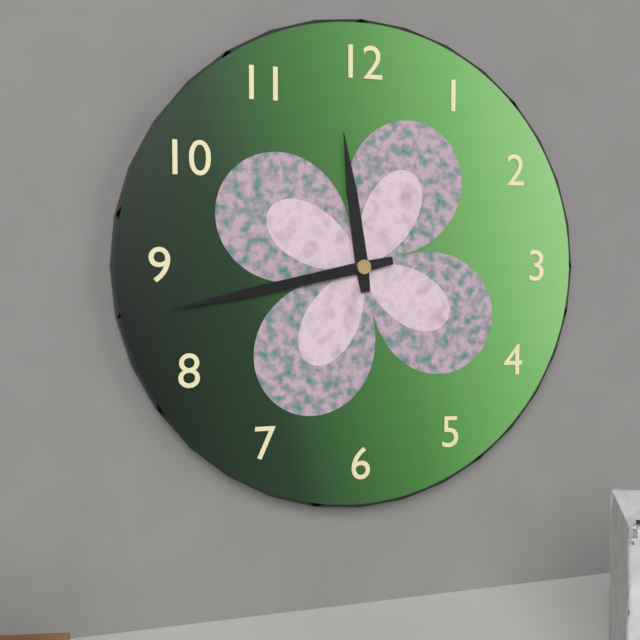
h=11 m=43
